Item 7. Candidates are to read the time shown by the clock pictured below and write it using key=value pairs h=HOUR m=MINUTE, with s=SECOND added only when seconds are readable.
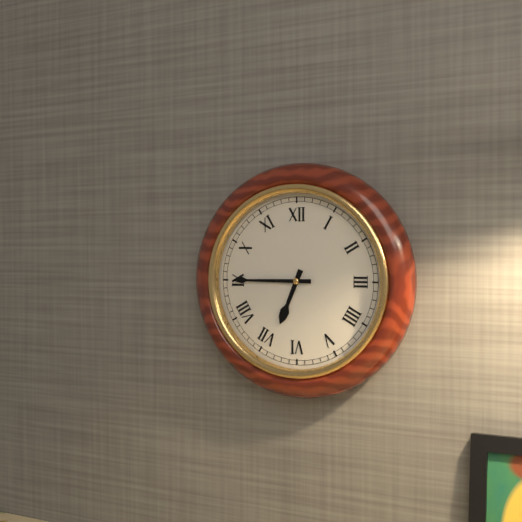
h=6 m=45
